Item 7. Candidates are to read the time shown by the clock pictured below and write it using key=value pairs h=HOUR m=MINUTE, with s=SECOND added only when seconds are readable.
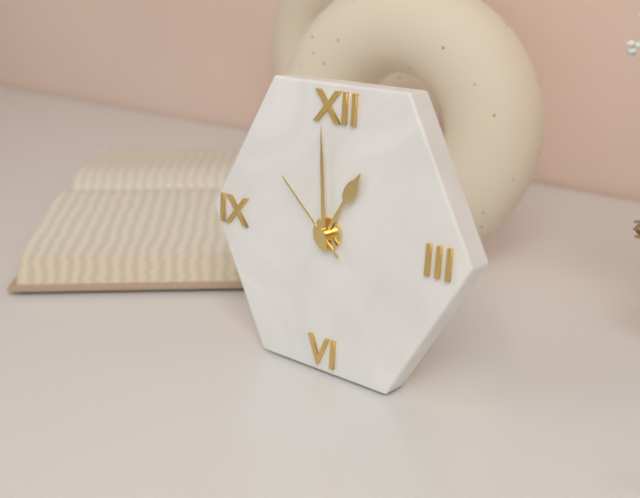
h=12 m=59 s=52
